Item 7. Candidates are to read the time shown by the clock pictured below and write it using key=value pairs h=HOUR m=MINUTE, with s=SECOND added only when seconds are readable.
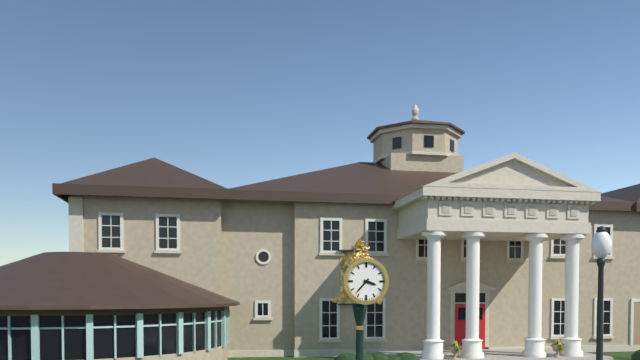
h=3 m=37
